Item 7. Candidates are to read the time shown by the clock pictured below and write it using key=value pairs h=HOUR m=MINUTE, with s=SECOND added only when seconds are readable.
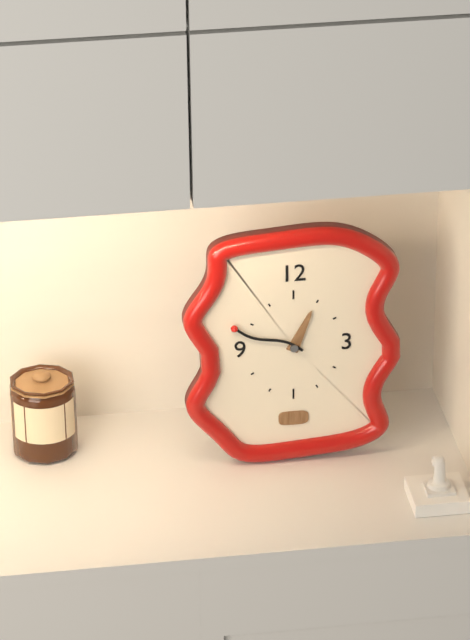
h=12 m=49
